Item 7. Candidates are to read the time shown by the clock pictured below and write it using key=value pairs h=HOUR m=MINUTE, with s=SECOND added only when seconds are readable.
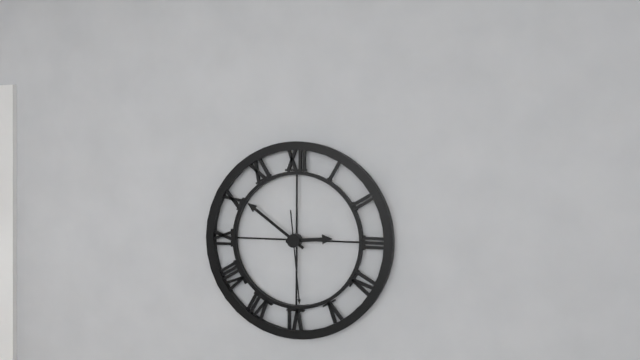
h=2 m=51 s=29
